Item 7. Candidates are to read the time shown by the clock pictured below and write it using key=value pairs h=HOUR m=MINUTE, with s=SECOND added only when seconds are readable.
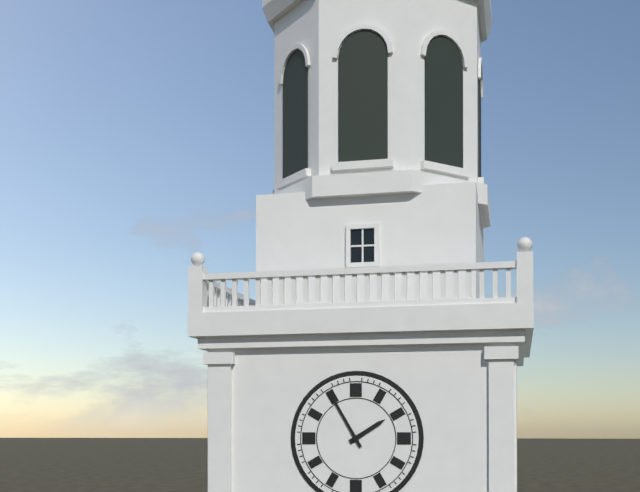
h=1 m=55
